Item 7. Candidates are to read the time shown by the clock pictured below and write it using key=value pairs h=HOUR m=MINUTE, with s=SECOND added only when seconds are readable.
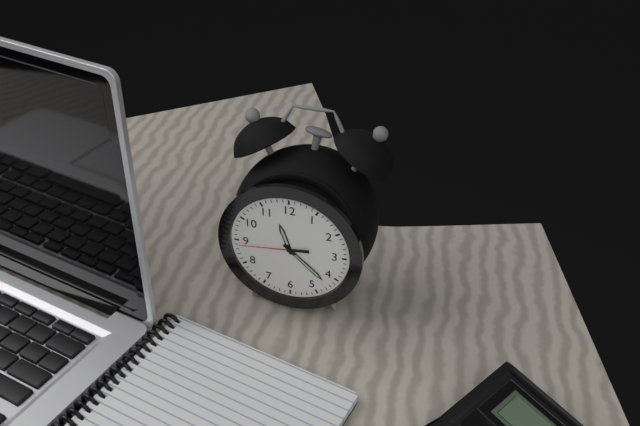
h=11 m=22 s=44
